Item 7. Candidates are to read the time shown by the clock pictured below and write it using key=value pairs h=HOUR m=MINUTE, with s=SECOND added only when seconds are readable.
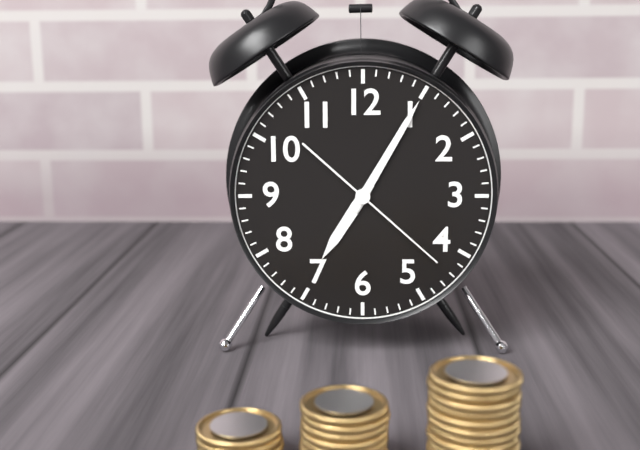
h=7 m=5 s=22
